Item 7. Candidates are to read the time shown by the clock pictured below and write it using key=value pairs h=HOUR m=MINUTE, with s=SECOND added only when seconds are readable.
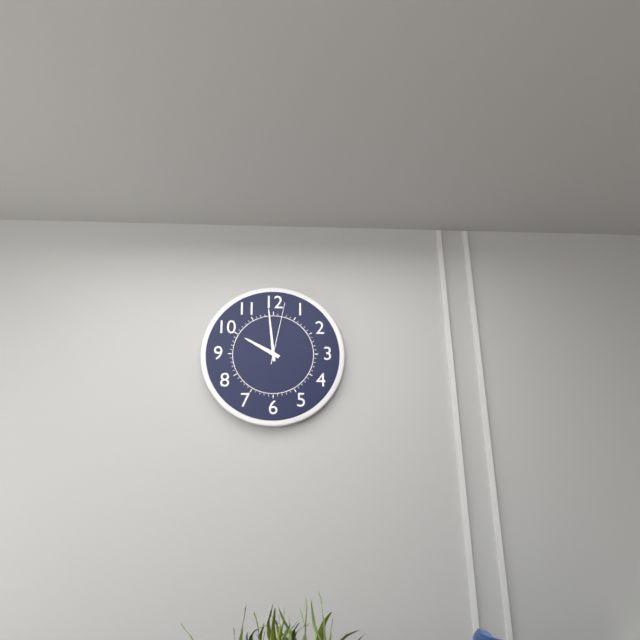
h=9 m=59 s=2
